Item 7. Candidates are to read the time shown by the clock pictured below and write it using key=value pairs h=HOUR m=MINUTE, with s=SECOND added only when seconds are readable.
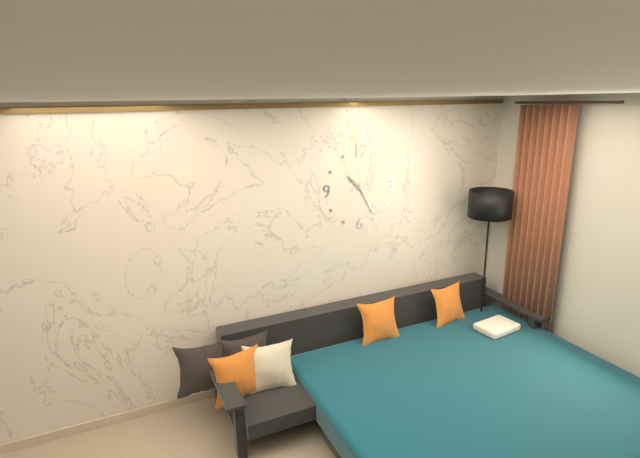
h=10 m=25
